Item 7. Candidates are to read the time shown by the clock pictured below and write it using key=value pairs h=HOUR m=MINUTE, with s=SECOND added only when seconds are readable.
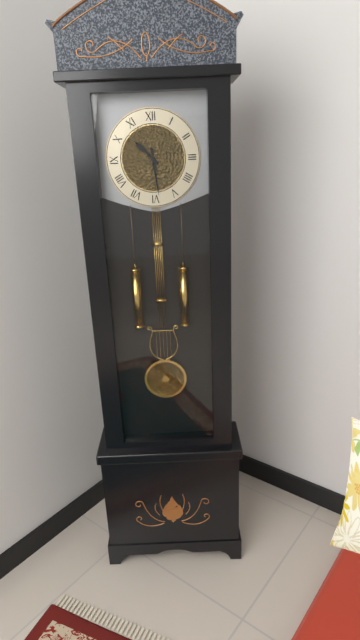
h=10 m=29
